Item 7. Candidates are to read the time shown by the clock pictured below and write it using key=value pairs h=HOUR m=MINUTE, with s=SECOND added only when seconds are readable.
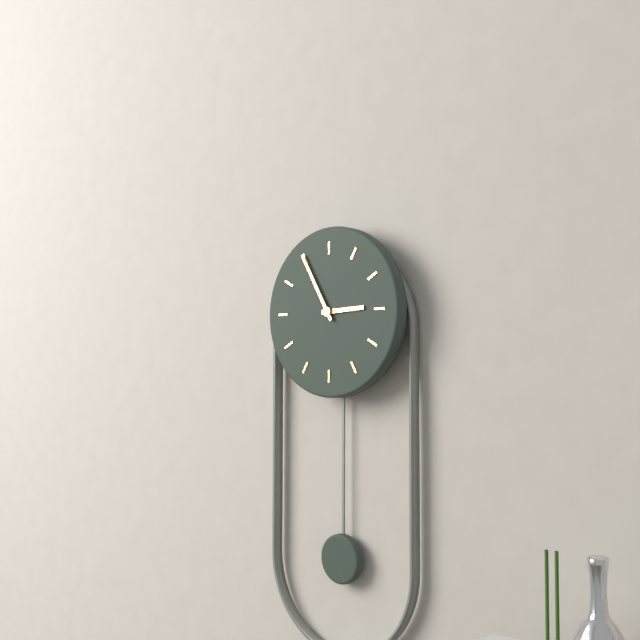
h=2 m=55
